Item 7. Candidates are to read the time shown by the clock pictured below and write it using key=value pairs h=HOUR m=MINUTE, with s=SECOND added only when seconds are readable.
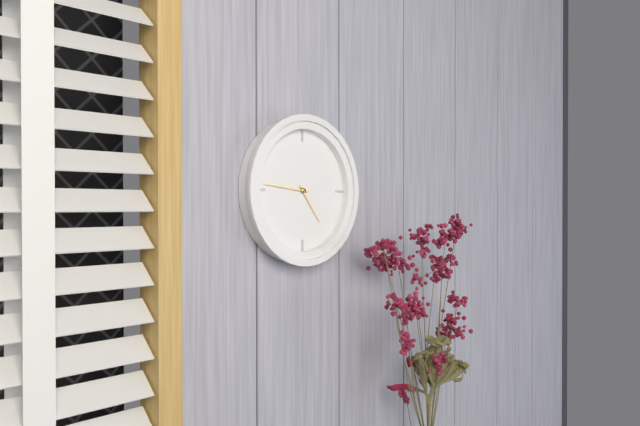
h=4 m=46
